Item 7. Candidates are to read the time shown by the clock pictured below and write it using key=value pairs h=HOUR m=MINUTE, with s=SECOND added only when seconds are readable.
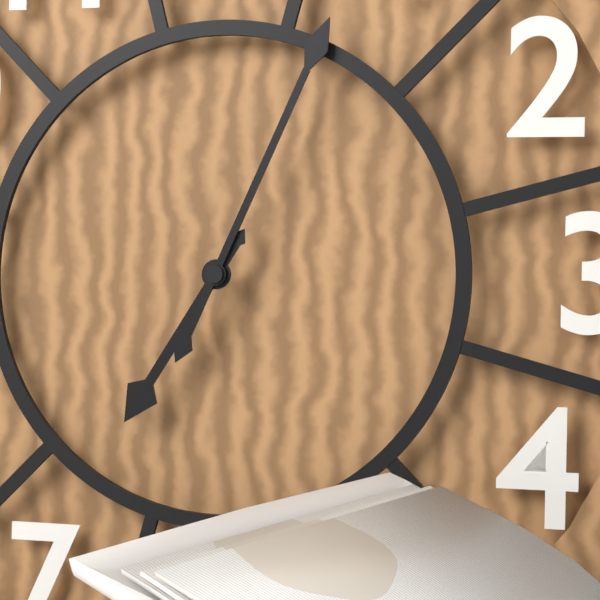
h=7 m=4
